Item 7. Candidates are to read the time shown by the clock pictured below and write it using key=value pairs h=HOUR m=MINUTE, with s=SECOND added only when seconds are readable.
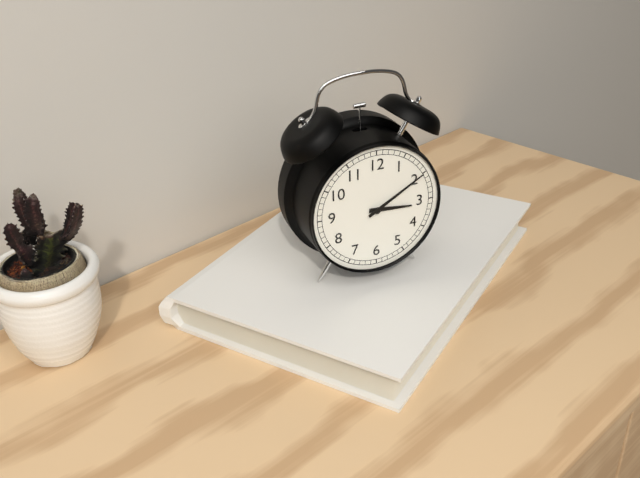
h=3 m=10
